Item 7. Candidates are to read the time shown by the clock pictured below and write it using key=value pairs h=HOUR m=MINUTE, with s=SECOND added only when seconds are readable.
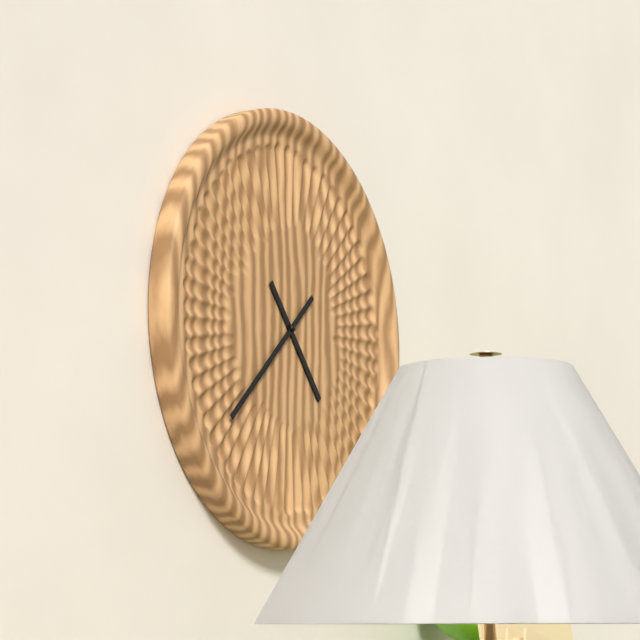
h=4 m=38
